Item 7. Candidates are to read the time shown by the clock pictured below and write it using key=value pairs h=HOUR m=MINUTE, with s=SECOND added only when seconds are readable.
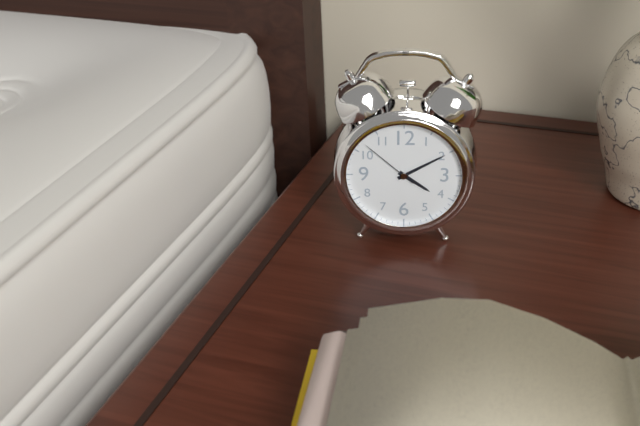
h=4 m=10 s=52
